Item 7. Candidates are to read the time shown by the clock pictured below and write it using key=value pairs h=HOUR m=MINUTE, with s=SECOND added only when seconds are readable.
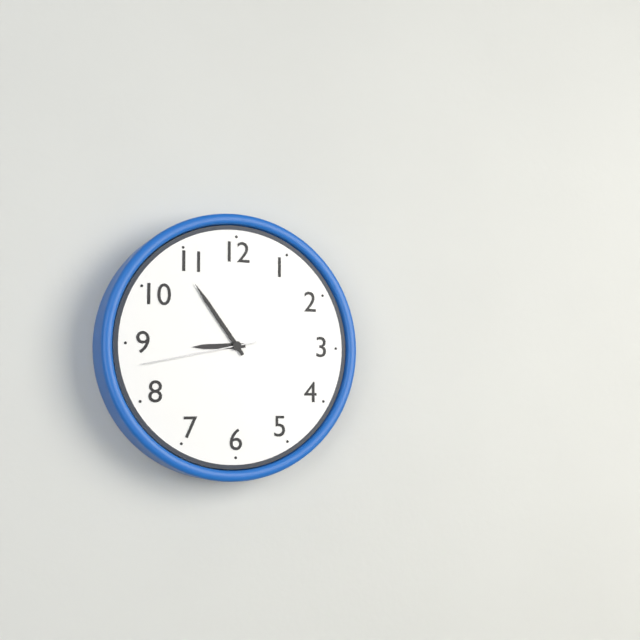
h=8 m=54 s=43
